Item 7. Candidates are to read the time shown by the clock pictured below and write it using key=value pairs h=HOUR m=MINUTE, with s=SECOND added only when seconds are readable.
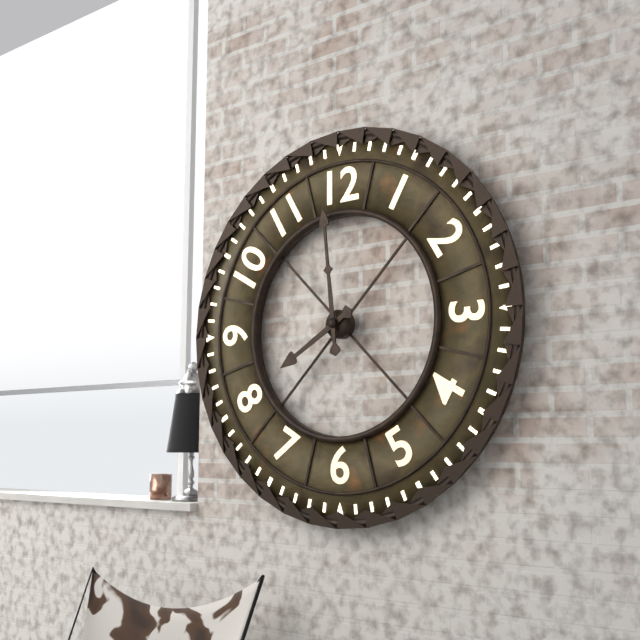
h=7 m=59
